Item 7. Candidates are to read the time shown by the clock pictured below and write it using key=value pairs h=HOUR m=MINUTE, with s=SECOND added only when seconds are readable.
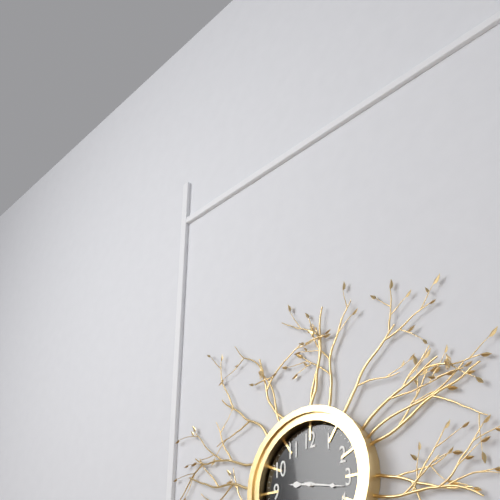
h=9 m=17
